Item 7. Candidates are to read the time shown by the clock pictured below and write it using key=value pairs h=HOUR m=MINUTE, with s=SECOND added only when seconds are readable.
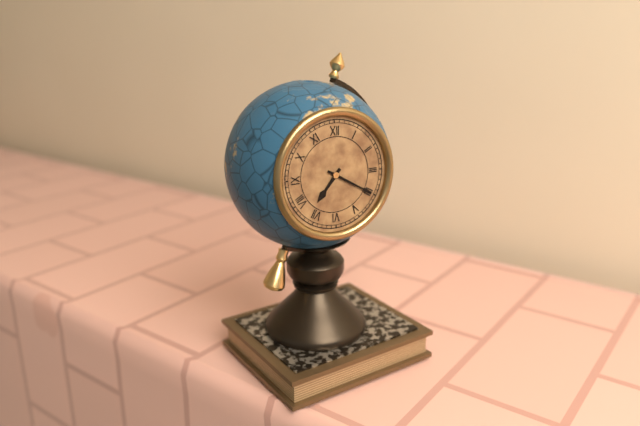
h=7 m=20
